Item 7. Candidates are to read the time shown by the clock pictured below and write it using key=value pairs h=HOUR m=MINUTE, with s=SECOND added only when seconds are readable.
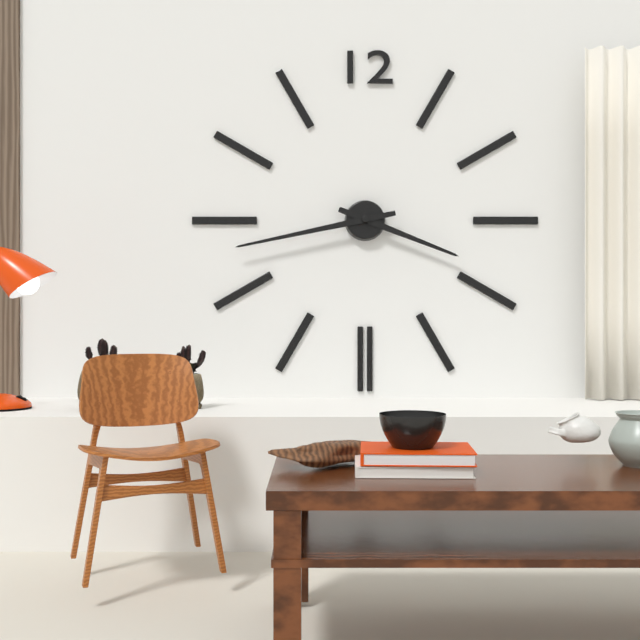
h=3 m=43
